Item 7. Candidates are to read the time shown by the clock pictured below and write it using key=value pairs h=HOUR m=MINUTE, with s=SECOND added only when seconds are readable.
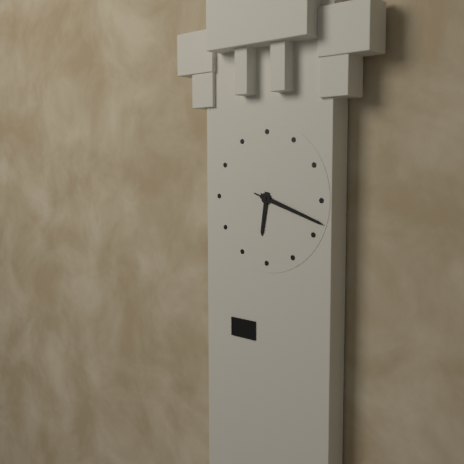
h=6 m=18 s=18
